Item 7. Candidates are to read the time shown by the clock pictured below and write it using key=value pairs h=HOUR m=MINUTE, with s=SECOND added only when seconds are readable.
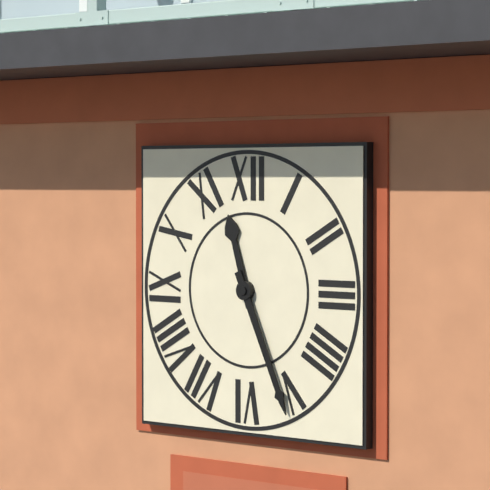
h=11 m=26
